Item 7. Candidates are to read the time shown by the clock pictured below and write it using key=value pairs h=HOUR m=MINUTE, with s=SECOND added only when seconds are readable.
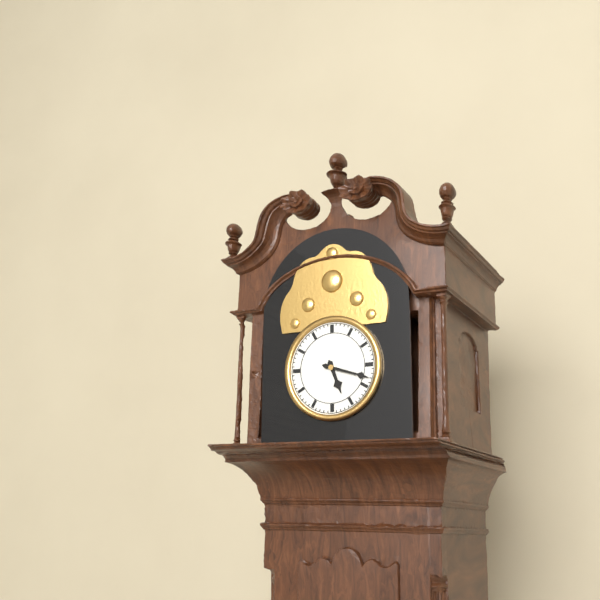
h=5 m=18
